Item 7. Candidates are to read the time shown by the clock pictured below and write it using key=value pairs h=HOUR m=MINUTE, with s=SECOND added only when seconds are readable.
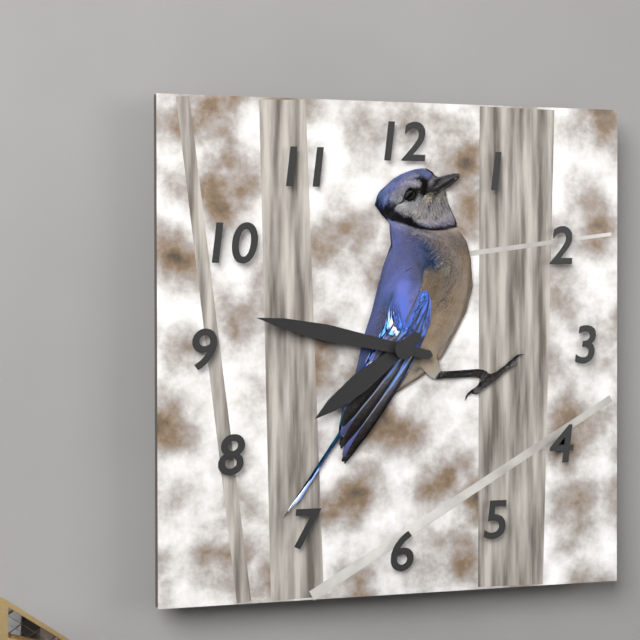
h=7 m=47
